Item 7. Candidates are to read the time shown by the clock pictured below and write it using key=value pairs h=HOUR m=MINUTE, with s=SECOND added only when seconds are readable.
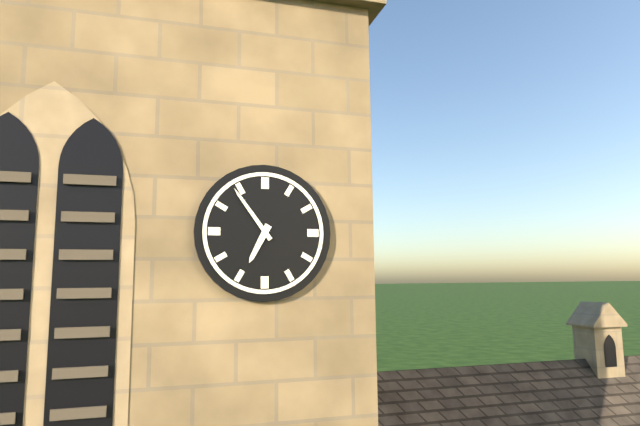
h=6 m=54
